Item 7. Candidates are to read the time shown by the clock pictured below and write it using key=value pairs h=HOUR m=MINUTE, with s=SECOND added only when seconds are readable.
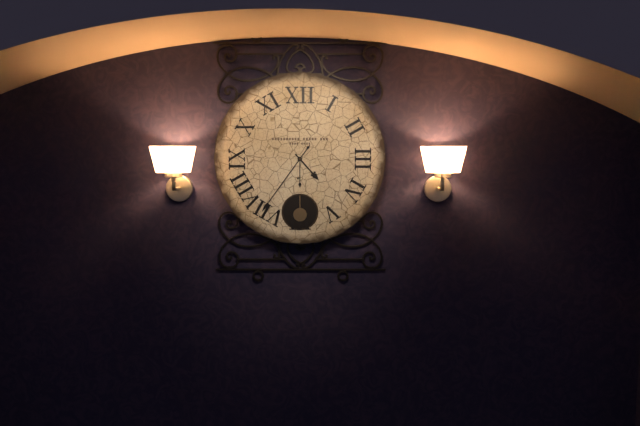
h=4 m=36
